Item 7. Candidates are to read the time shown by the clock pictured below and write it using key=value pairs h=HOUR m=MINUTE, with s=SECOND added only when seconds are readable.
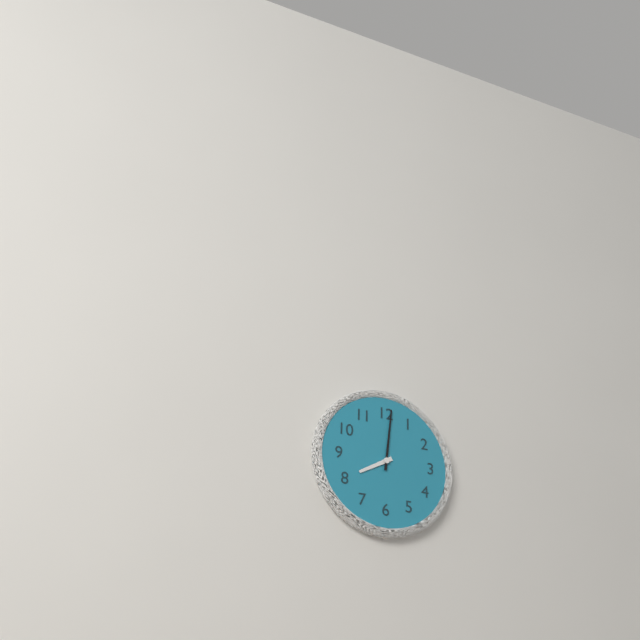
h=8 m=1
